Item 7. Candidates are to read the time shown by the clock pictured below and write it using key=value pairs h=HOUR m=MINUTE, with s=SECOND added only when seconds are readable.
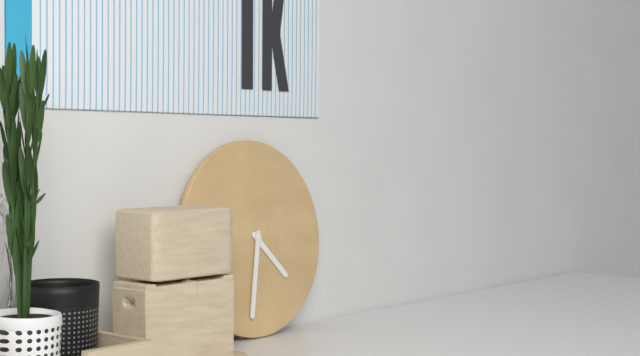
h=4 m=32
